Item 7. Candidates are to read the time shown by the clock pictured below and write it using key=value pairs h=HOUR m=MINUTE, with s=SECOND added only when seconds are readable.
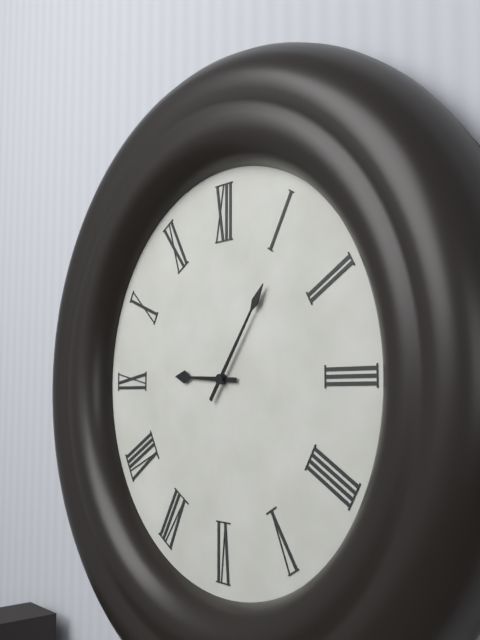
h=9 m=6
